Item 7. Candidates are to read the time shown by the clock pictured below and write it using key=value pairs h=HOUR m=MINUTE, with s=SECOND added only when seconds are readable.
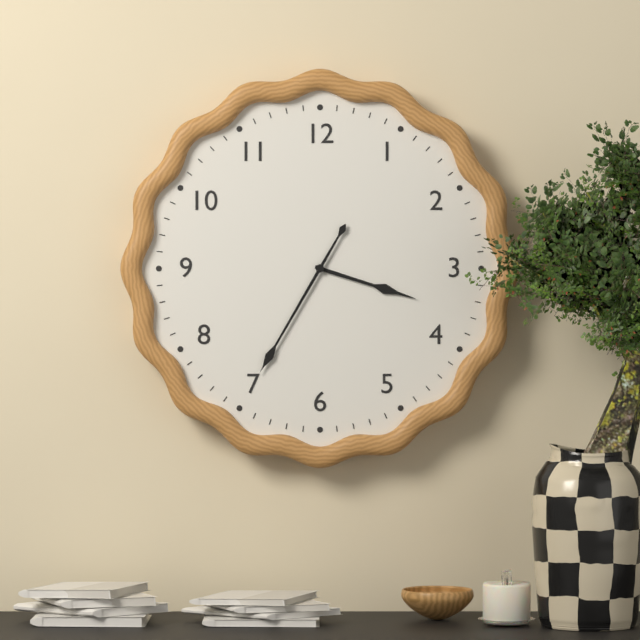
h=3 m=35
